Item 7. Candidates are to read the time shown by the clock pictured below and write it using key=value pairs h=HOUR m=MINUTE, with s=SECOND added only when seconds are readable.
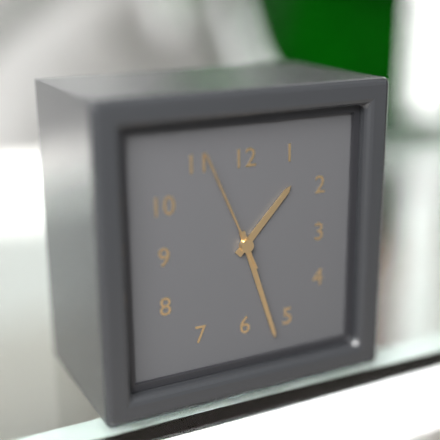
h=1 m=27 s=56
